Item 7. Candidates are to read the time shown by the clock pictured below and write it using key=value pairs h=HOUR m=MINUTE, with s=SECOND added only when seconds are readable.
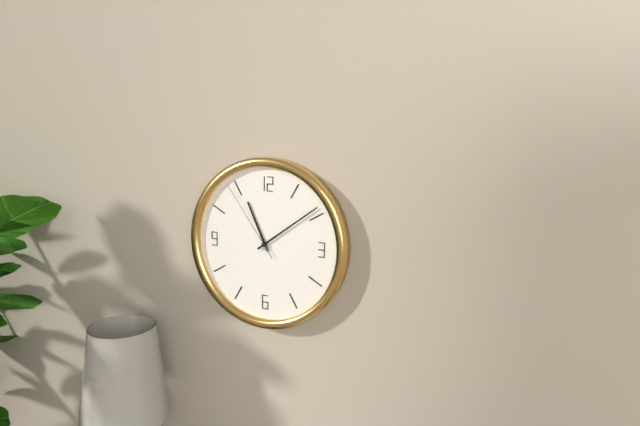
h=11 m=9 s=54
